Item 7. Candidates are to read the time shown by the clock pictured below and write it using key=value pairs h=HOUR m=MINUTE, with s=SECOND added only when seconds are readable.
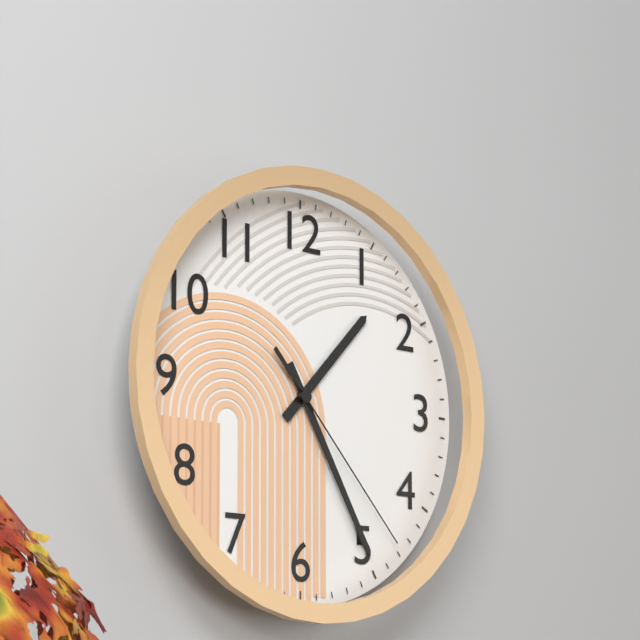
h=1 m=25 s=23
